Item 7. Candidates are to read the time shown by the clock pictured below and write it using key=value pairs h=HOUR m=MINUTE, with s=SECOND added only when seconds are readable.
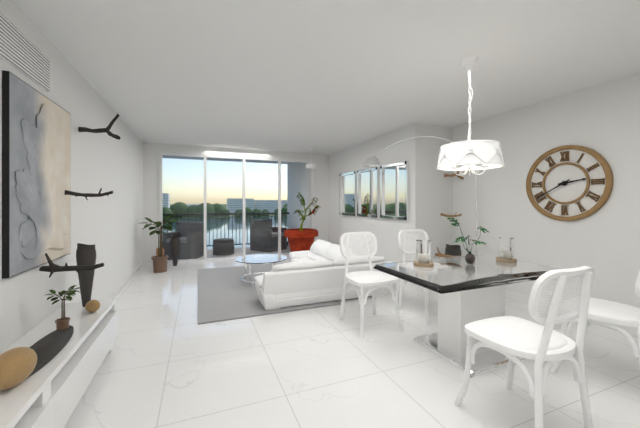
h=2 m=40
